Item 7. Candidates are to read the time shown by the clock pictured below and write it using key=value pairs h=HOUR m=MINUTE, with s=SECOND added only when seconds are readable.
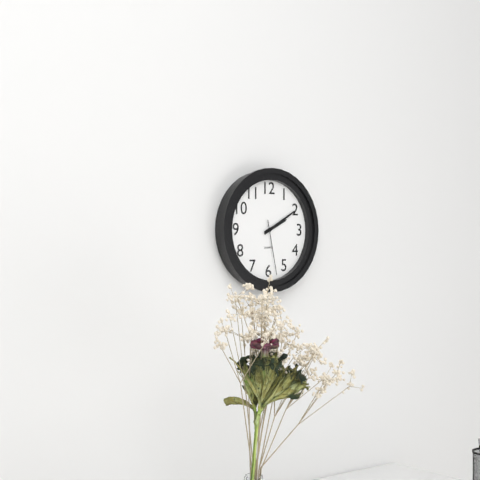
h=2 m=10 s=28
